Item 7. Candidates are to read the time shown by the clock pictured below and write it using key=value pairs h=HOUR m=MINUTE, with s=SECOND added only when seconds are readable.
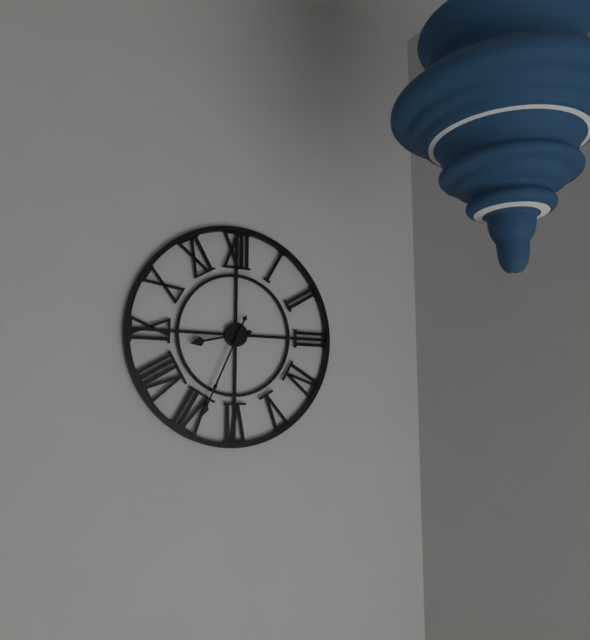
h=8 m=34
